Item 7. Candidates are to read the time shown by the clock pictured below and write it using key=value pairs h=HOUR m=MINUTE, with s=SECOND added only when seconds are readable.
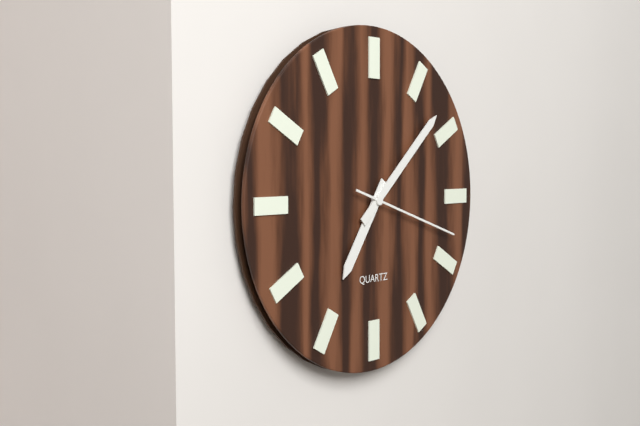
h=7 m=8 s=18
